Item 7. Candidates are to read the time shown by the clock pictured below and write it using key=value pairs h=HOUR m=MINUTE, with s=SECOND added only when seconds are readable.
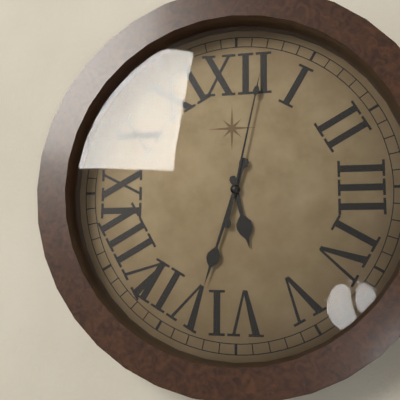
h=5 m=33 s=2
